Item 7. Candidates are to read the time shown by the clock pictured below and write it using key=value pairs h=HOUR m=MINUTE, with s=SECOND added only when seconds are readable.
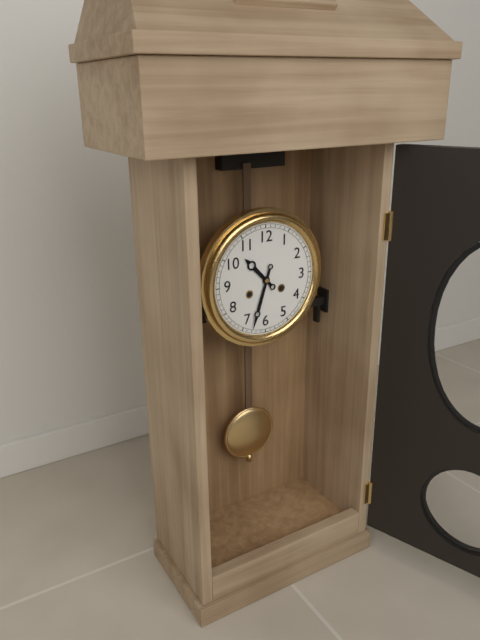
h=10 m=33
